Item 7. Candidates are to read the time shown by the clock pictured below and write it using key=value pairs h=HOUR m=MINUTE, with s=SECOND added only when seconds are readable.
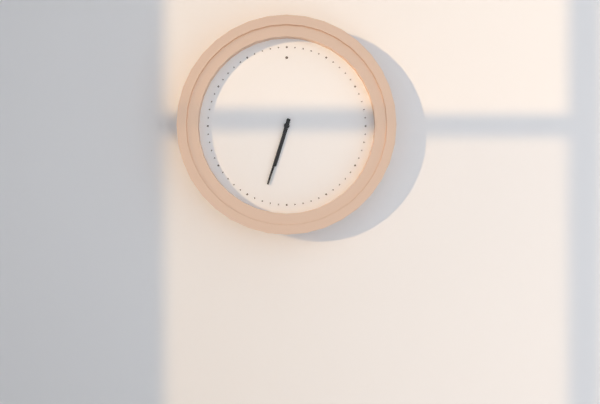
h=6 m=33
